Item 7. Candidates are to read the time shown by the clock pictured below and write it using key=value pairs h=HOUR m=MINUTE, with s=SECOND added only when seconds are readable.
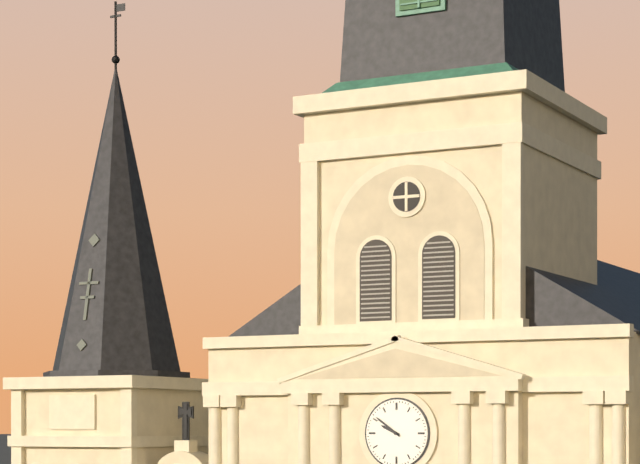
h=9 m=51
